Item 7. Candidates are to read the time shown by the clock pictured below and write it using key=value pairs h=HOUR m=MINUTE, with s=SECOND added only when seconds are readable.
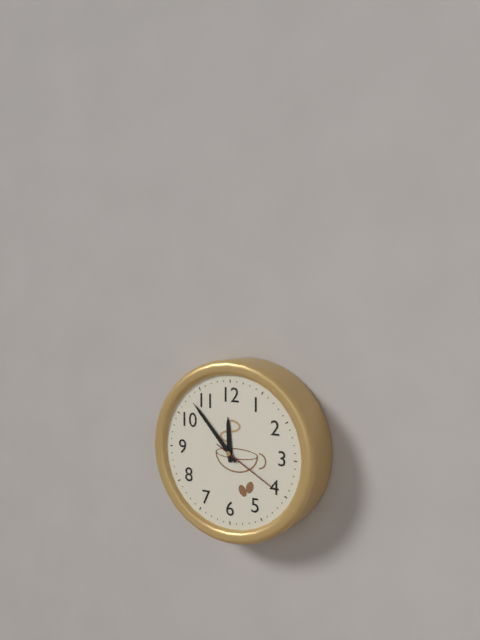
h=11 m=53 s=20
